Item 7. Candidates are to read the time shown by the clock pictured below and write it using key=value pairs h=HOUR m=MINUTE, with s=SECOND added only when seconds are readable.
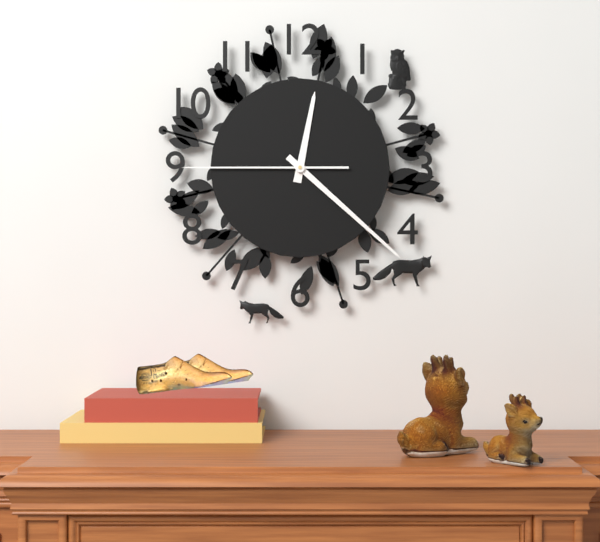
h=12 m=22 s=45
